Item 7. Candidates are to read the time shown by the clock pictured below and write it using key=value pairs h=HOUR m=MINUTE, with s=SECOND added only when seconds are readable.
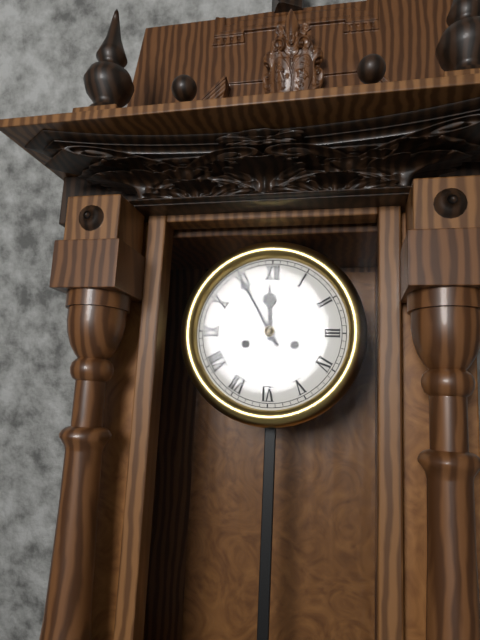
h=11 m=55
